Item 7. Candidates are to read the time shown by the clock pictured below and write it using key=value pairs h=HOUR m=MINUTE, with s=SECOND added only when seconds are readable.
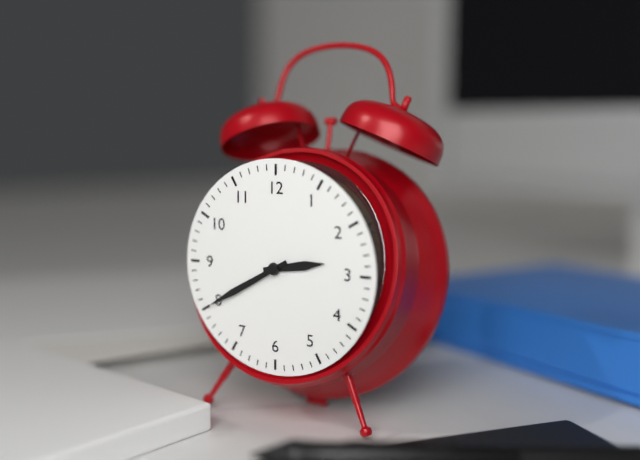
h=2 m=40
